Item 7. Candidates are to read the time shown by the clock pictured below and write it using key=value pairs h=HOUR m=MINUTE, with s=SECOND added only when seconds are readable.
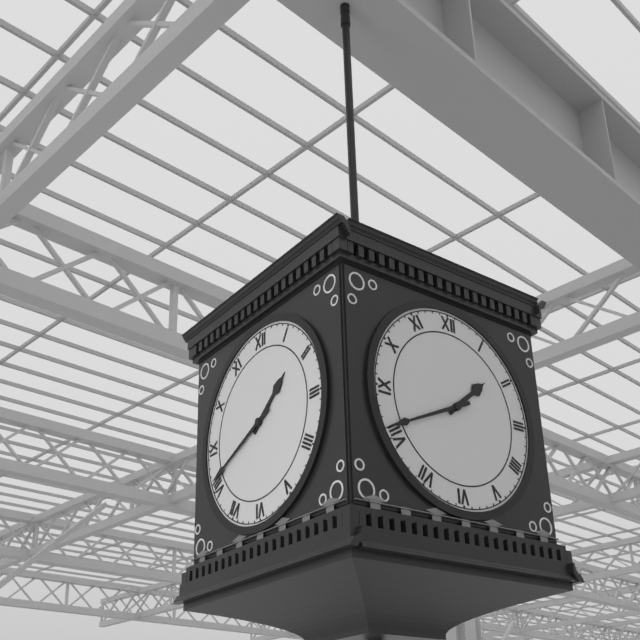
h=1 m=41
